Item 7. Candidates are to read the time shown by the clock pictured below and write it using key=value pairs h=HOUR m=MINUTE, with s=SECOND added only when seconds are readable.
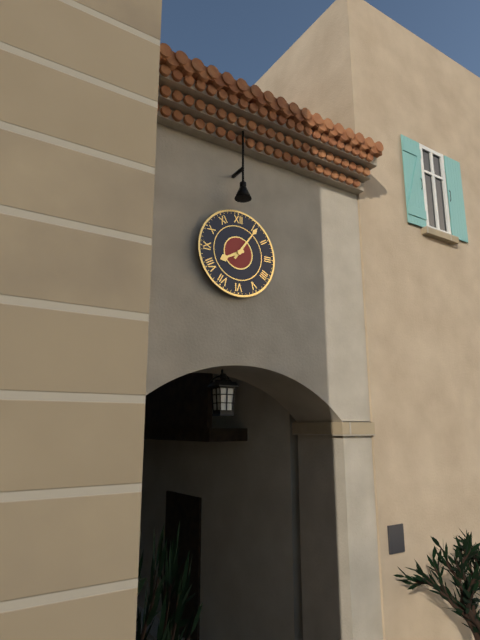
h=8 m=6
